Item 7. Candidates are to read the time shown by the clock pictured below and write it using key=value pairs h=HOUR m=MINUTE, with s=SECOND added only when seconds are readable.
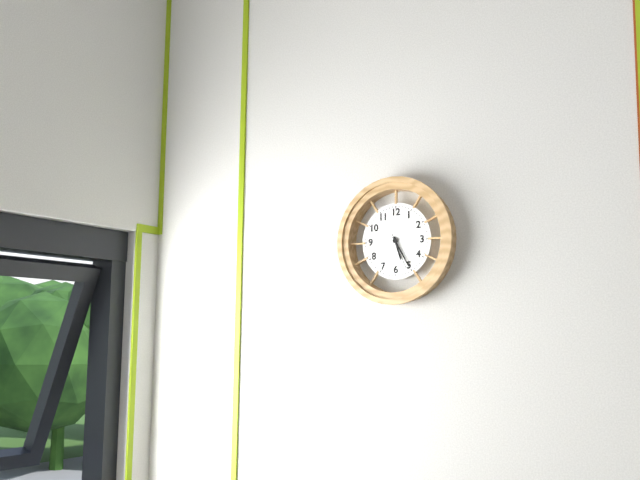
h=5 m=25
